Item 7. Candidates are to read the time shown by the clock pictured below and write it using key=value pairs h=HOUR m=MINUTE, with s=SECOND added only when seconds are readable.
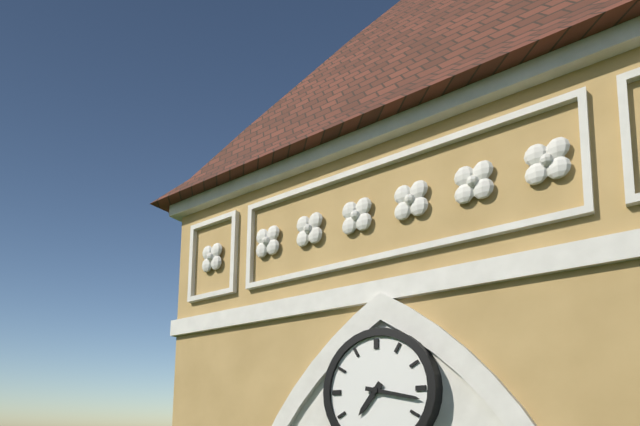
h=7 m=17
